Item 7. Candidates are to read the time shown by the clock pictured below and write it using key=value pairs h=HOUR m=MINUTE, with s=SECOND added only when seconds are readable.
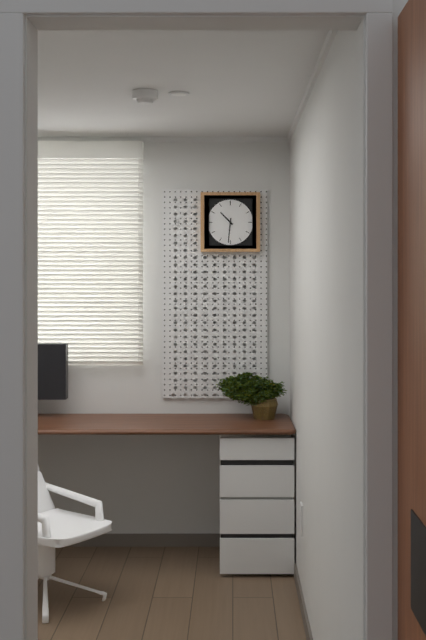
h=10 m=31
